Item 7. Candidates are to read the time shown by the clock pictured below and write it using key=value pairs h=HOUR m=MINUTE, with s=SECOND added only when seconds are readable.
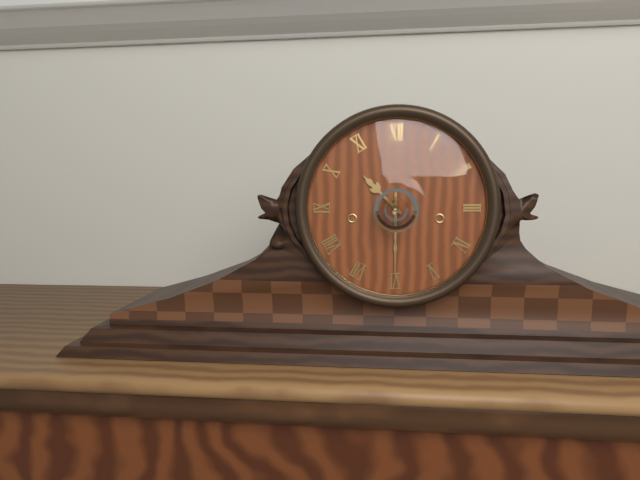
h=10 m=30
